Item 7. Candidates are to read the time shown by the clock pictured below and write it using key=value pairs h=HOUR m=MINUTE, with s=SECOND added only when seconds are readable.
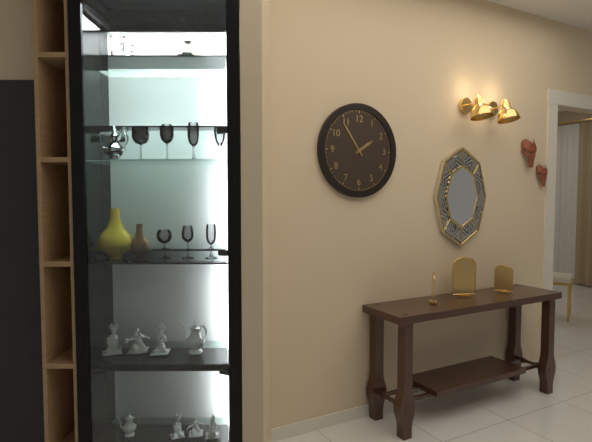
h=1 m=54
